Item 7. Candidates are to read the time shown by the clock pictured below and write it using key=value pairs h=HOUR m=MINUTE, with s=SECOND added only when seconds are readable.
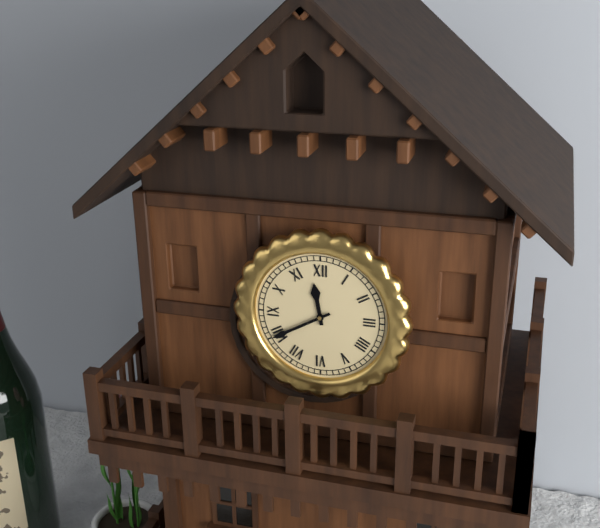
h=11 m=40
